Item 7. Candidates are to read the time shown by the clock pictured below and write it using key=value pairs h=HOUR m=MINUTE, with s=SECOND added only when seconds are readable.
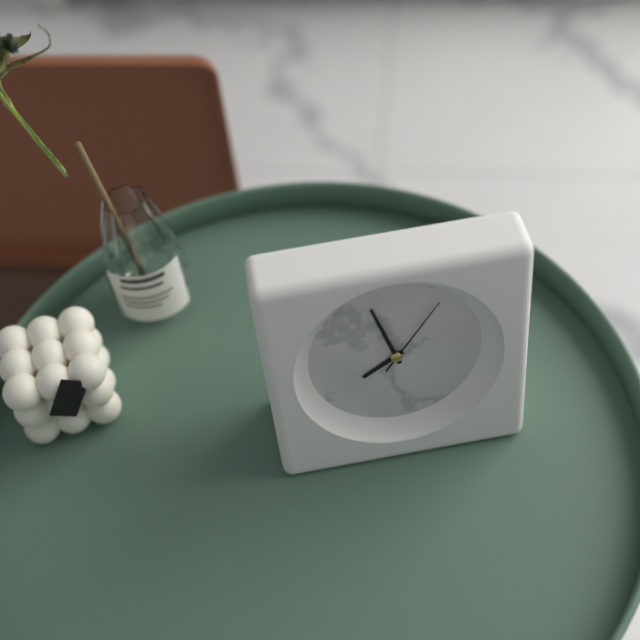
h=7 m=57 s=6
